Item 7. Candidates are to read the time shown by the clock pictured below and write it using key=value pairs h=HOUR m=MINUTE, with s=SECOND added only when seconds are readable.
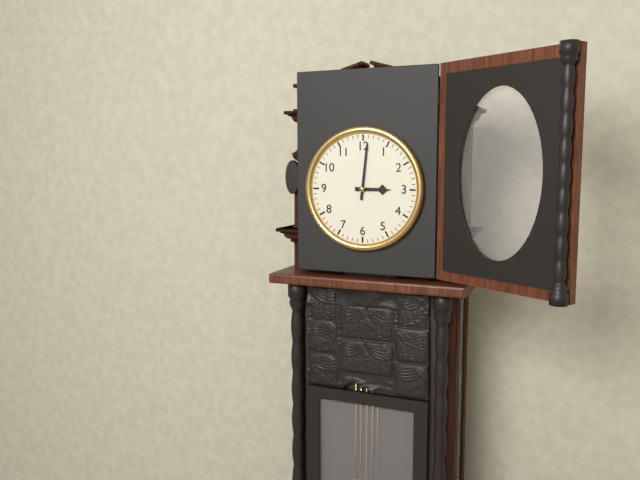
h=3 m=1
